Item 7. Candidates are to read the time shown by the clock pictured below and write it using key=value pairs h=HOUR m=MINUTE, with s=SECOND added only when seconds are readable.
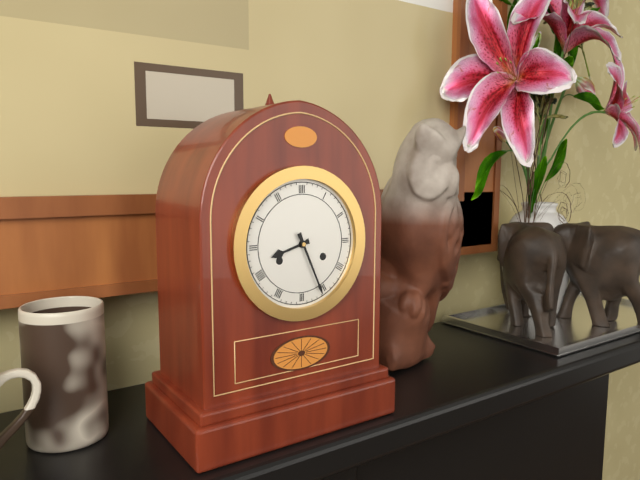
h=8 m=26
